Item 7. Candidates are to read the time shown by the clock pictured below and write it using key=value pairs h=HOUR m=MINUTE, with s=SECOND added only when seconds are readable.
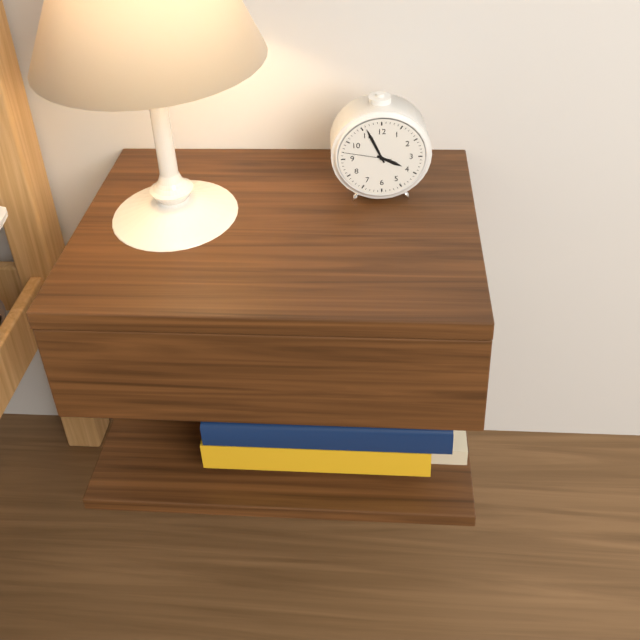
h=3 m=56
